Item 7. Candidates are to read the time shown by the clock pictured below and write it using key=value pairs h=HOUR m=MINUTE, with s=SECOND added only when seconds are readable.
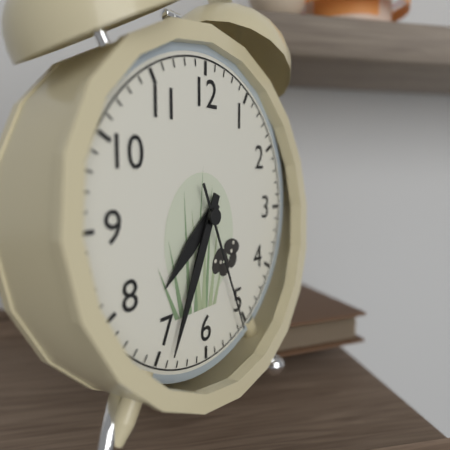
h=7 m=34 s=26
